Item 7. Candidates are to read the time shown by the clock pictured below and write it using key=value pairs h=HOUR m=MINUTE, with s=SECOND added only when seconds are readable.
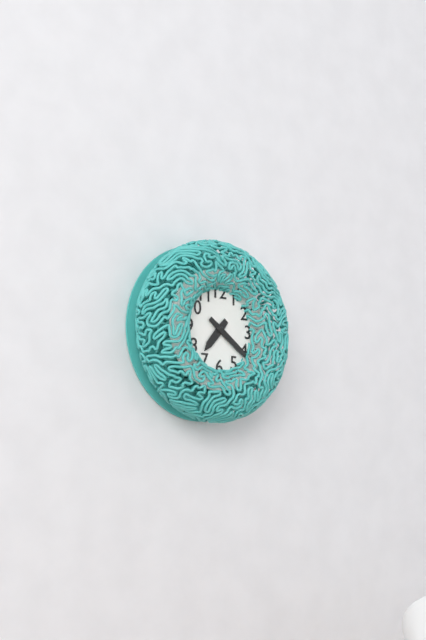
h=7 m=21
